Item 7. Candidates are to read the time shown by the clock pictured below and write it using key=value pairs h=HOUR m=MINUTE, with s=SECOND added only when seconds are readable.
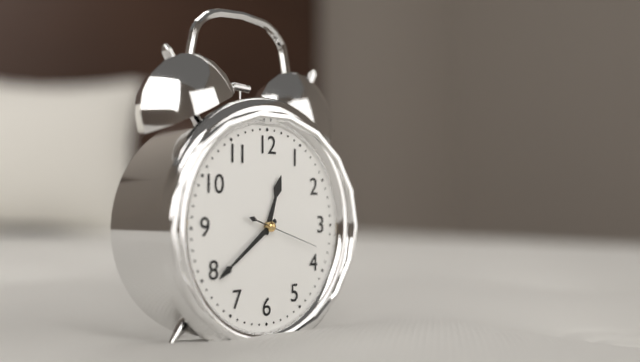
h=12 m=39 s=18
